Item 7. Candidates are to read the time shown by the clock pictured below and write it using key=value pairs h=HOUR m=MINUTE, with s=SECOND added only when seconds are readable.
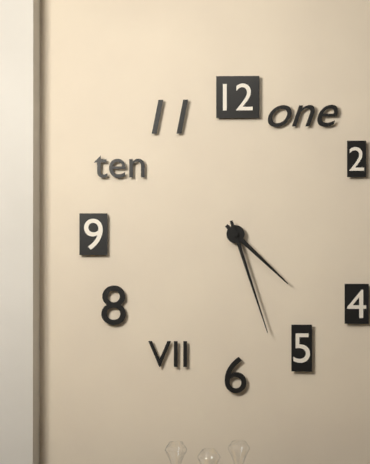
h=4 m=27
